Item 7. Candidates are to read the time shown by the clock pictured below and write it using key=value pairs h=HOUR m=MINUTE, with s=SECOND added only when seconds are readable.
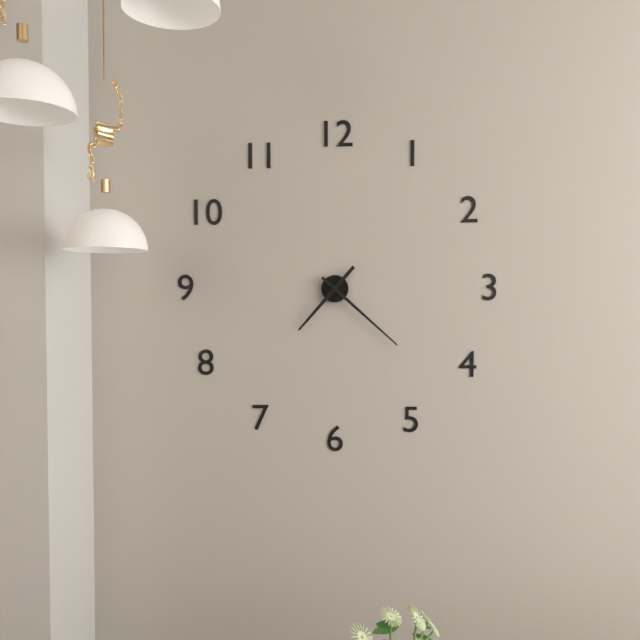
h=7 m=22
